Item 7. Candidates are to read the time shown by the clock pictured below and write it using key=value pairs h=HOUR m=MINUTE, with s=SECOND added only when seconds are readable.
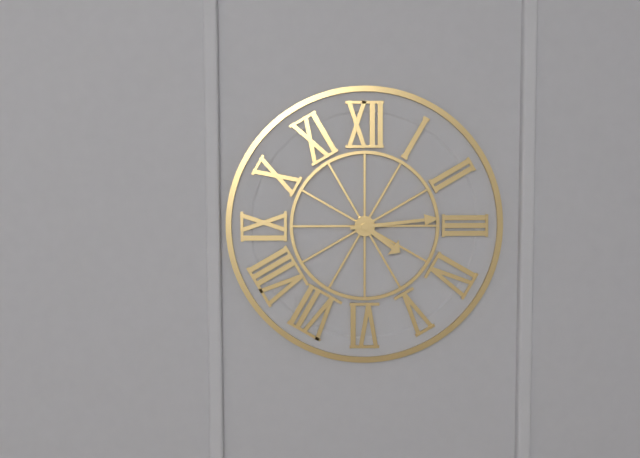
h=4 m=14
